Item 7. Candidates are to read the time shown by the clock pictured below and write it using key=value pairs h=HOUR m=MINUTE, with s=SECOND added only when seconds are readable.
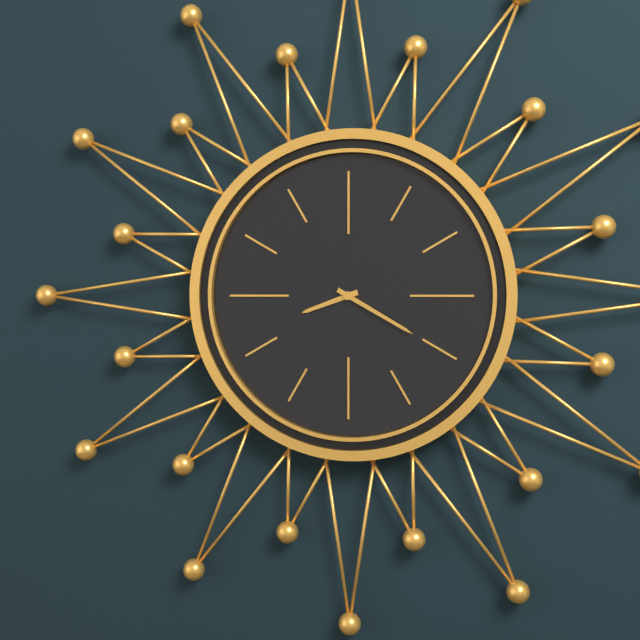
h=8 m=20
